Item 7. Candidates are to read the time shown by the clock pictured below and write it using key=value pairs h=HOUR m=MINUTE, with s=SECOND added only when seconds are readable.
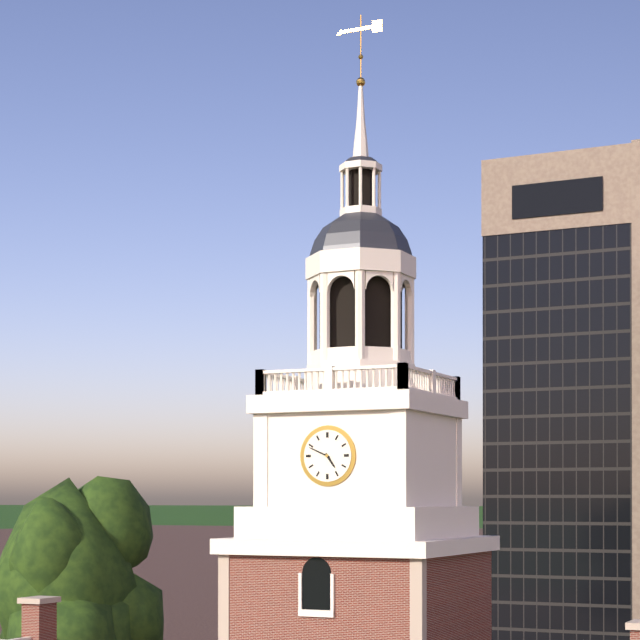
h=4 m=49
